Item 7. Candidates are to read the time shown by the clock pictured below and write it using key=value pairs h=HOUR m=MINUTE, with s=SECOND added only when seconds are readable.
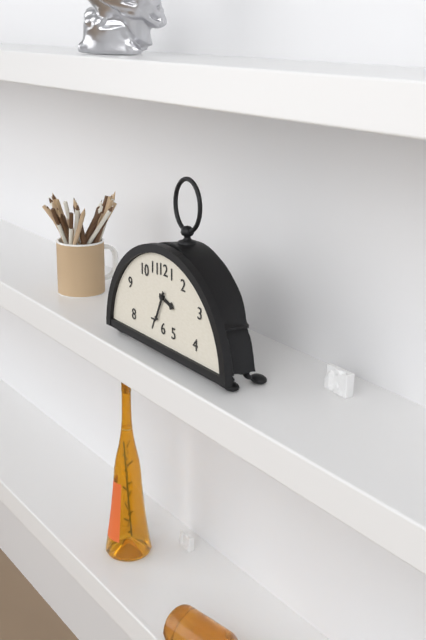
h=3 m=34
